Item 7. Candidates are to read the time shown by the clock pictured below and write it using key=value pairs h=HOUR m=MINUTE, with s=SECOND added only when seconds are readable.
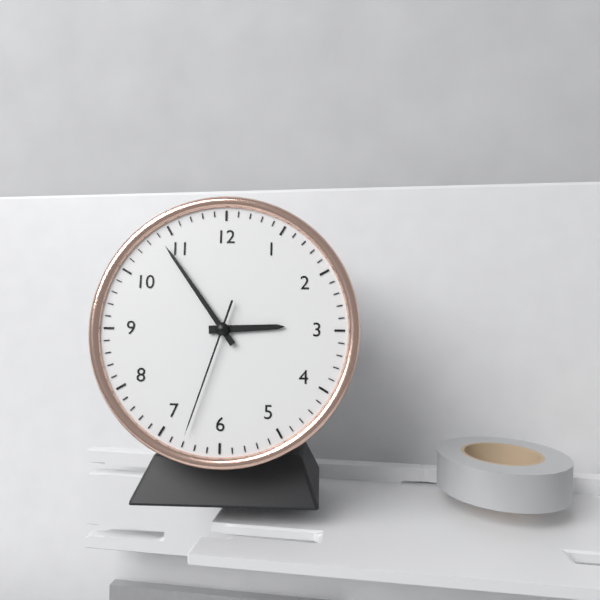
h=2 m=54 s=33
